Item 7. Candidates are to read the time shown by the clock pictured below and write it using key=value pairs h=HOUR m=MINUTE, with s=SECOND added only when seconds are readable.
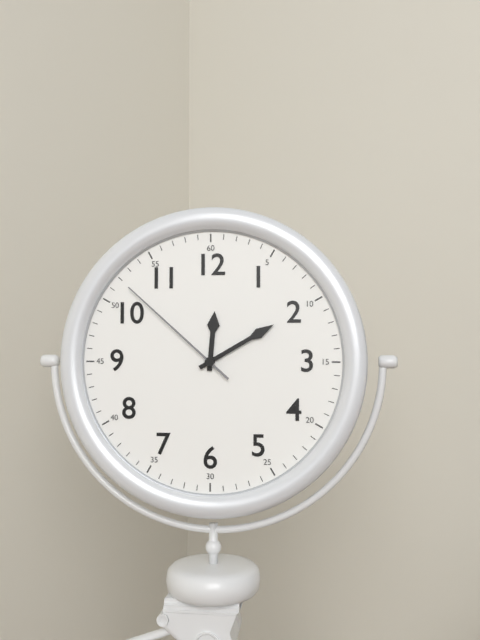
h=12 m=10 s=52
